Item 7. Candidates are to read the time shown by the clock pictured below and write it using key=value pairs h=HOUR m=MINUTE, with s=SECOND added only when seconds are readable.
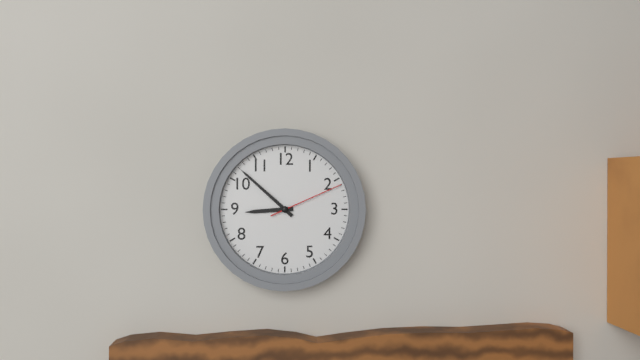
h=8 m=52 s=11
